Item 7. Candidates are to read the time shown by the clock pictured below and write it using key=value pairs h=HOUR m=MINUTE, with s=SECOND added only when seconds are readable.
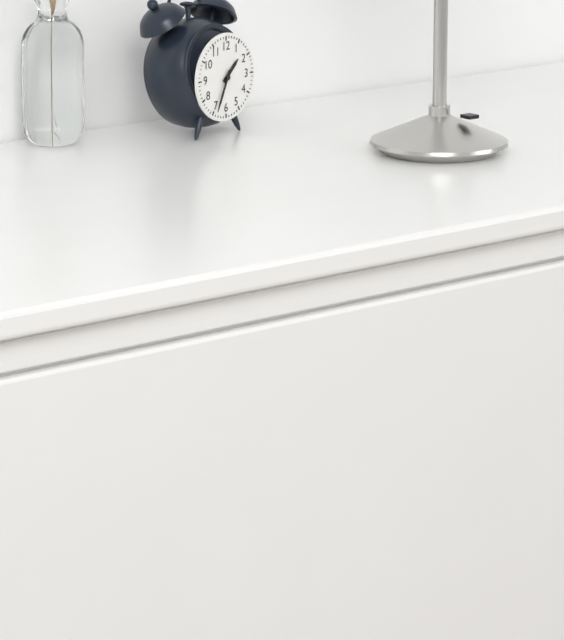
h=1 m=34
